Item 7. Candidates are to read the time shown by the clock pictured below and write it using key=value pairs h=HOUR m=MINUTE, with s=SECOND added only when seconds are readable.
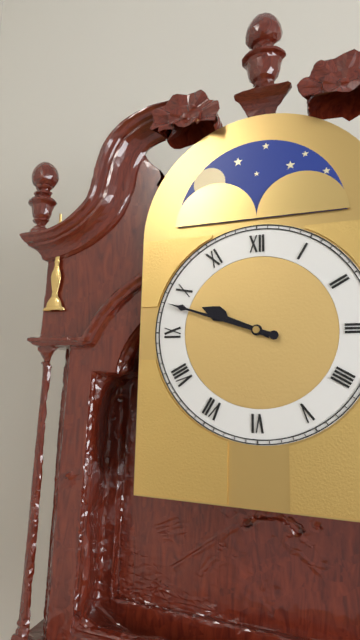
h=9 m=48
